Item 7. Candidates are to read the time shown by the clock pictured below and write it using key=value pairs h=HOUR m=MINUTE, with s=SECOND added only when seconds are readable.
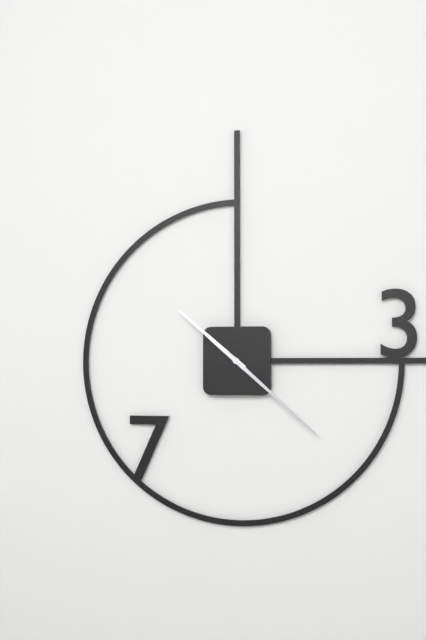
h=10 m=22
